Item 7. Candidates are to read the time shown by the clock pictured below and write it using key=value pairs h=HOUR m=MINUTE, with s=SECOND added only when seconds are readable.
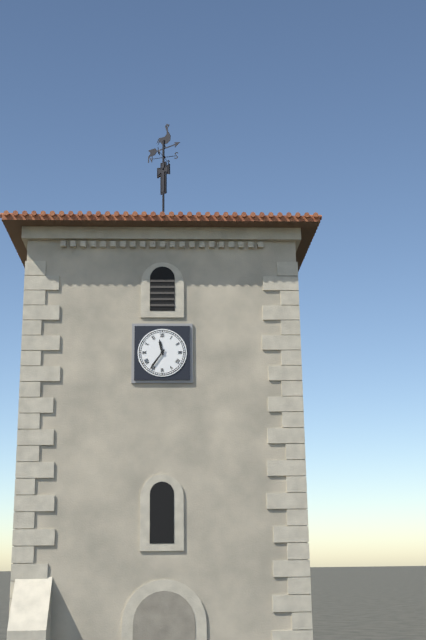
h=11 m=36
